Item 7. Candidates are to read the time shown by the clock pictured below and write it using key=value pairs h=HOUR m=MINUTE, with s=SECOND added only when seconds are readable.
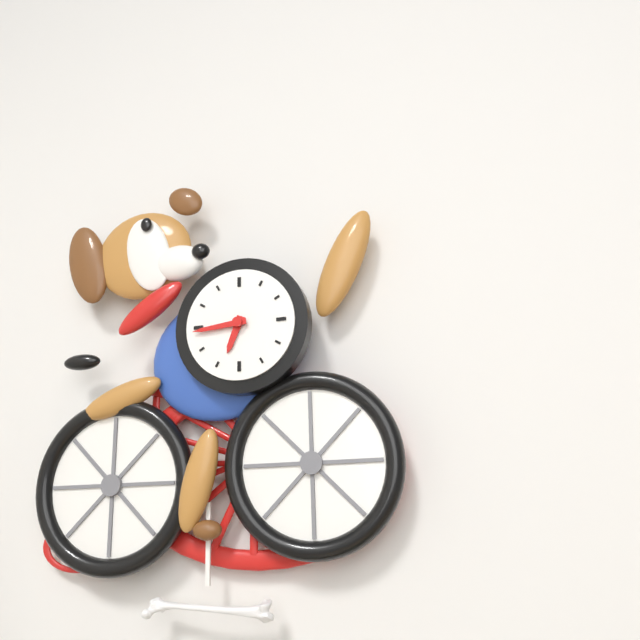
h=6 m=44
